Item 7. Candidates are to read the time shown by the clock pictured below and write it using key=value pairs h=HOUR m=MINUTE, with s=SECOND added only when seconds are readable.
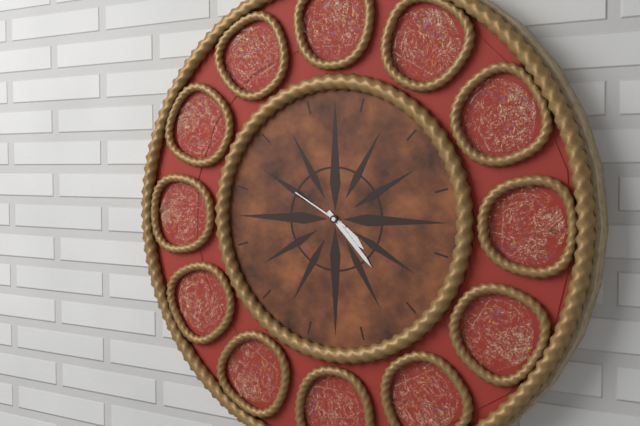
h=4 m=23 s=50
